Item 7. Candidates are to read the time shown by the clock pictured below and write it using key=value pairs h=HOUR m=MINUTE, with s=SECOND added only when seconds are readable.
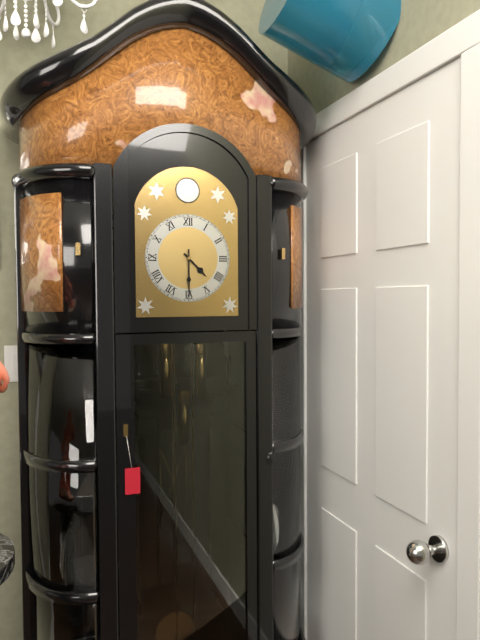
h=4 m=30
